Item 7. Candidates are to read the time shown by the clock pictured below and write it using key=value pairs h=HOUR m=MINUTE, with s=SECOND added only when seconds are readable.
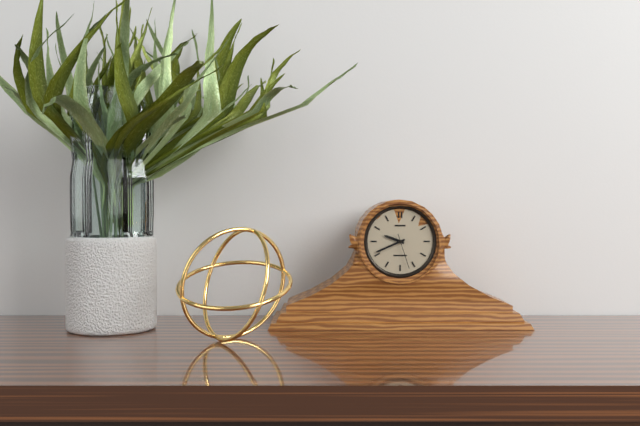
h=9 m=41
